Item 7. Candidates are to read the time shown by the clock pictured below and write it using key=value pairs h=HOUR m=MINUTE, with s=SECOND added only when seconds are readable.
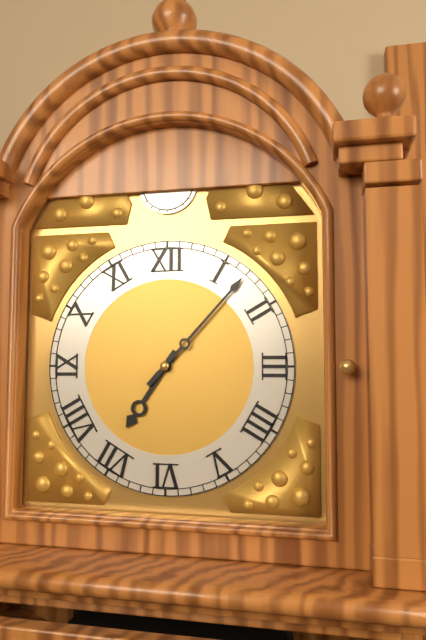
h=7 m=7
